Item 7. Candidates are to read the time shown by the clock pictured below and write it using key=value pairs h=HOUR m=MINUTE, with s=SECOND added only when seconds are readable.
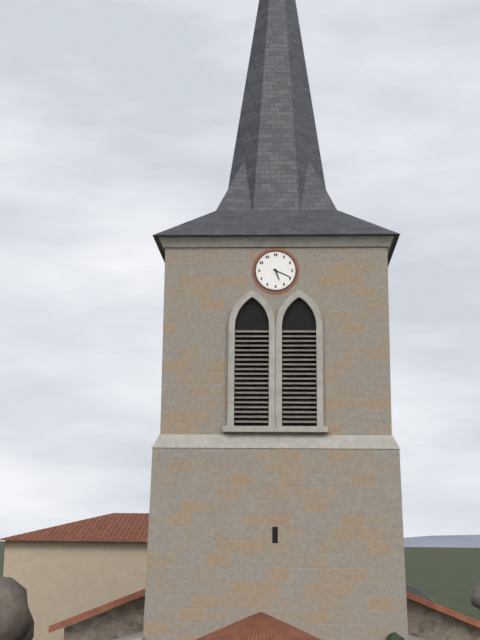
h=5 m=19
